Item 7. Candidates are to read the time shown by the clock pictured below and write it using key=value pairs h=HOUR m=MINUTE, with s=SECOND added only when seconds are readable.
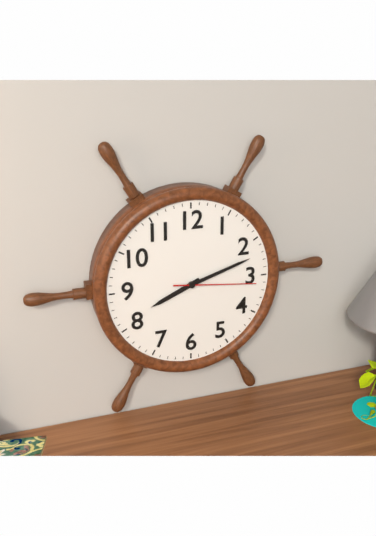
h=8 m=12 s=16
